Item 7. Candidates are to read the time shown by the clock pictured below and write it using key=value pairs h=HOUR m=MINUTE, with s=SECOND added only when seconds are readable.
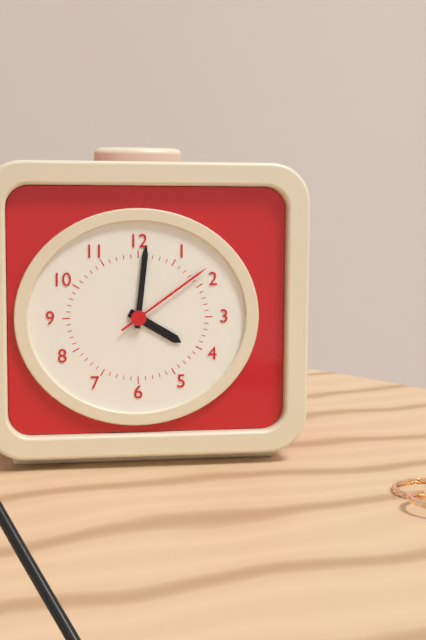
h=4 m=1 s=9
